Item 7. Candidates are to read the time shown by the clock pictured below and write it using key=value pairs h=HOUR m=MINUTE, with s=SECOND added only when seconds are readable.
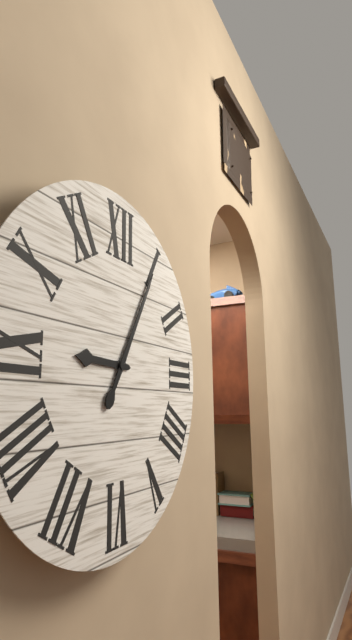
h=9 m=5
